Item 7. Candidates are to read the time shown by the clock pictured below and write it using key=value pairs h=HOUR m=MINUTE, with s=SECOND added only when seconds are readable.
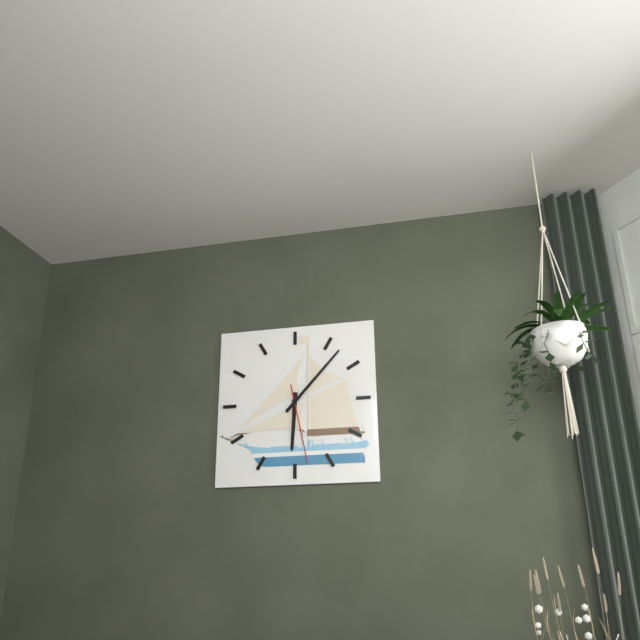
h=6 m=7 s=28
